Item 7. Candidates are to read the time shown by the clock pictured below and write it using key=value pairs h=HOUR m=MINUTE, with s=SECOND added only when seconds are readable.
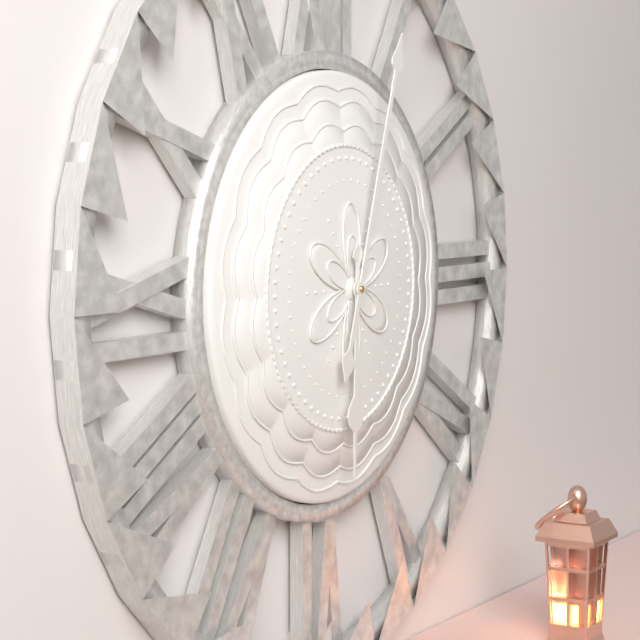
h=6 m=3
